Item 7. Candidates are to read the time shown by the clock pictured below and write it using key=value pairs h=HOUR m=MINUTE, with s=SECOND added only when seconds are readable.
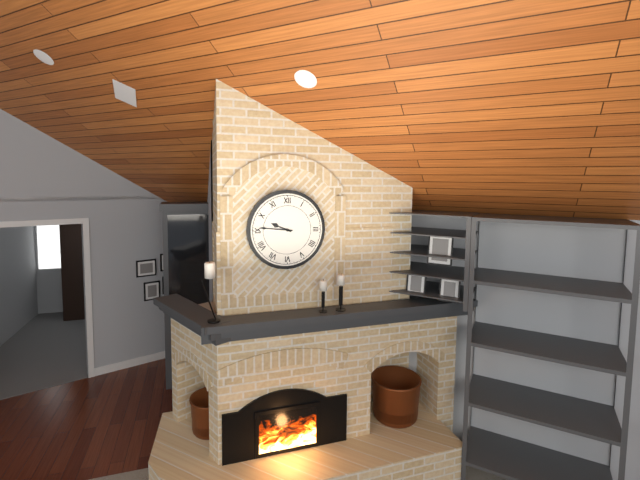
h=9 m=46
